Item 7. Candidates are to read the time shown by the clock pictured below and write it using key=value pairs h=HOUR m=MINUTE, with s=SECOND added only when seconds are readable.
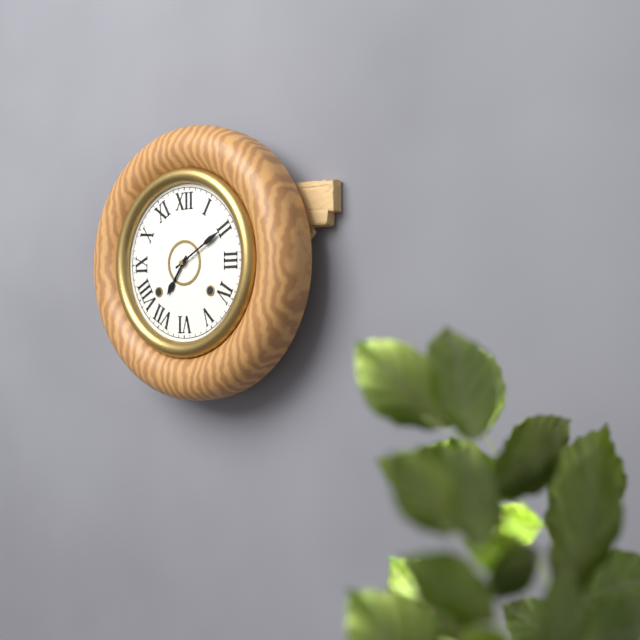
h=7 m=10
